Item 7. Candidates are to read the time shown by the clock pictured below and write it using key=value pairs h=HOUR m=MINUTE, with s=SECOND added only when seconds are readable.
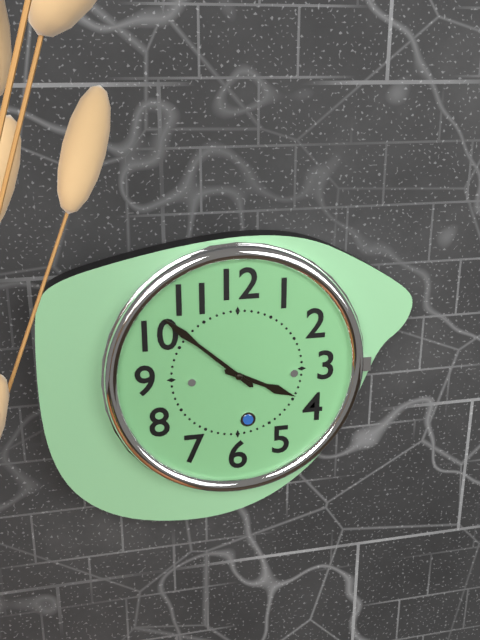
h=3 m=52
